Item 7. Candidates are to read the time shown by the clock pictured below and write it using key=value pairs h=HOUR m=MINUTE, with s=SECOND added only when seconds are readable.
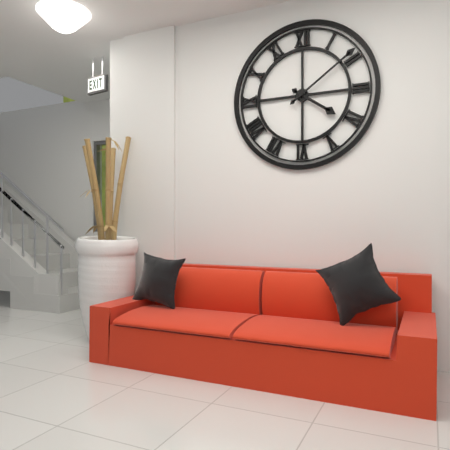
h=4 m=9
